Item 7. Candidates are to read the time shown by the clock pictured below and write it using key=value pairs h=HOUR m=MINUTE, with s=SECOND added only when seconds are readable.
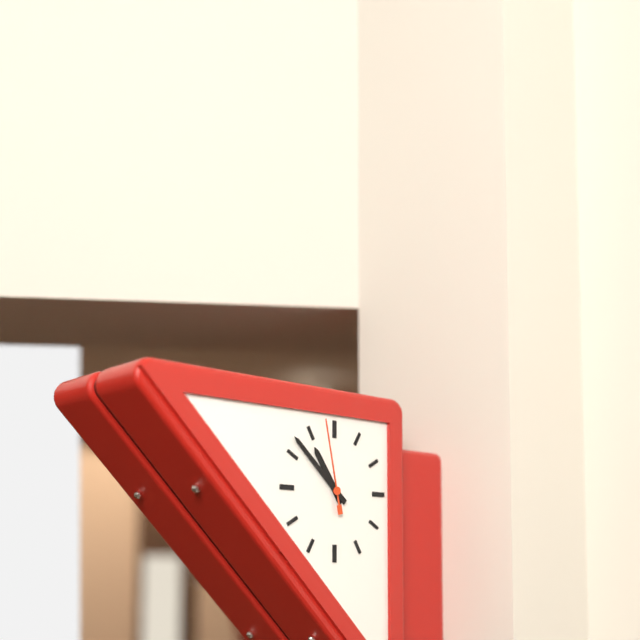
h=10 m=52 s=58
